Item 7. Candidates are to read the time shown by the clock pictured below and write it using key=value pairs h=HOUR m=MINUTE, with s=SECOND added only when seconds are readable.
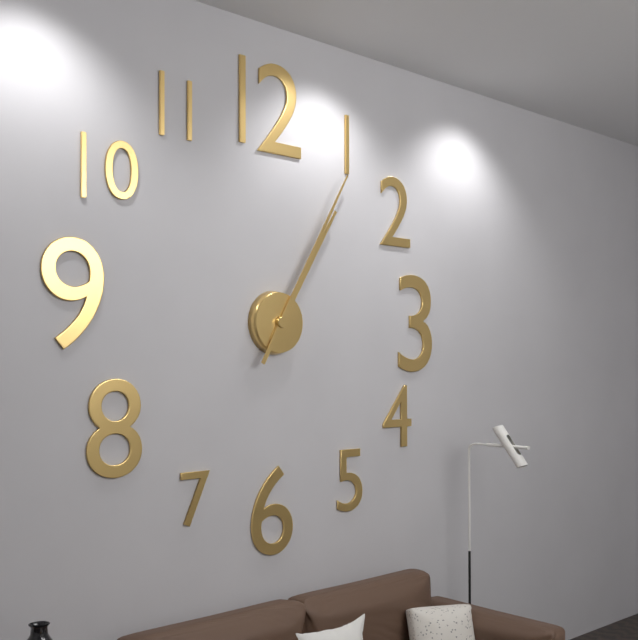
h=1 m=5
